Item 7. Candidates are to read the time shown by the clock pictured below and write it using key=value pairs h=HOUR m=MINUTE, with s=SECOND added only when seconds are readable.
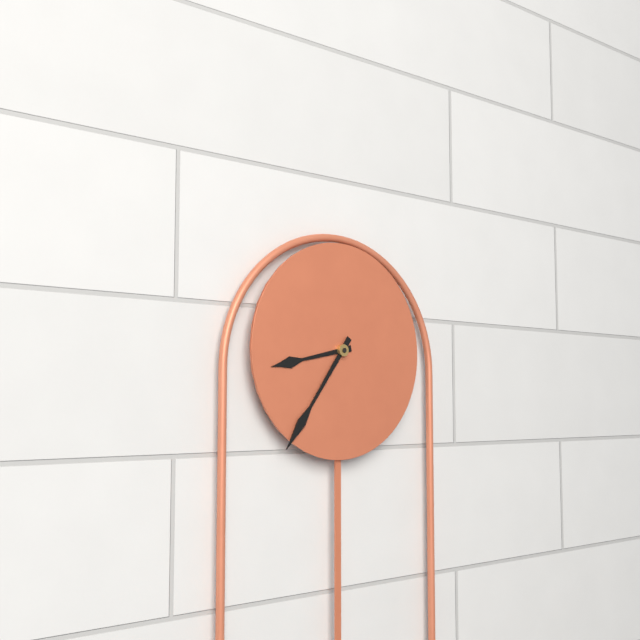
h=8 m=36
